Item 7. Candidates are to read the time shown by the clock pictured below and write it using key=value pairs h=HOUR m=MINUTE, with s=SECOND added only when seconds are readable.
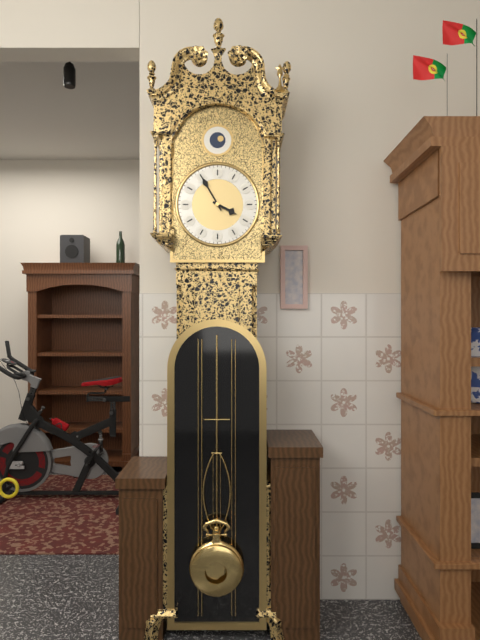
h=3 m=55
